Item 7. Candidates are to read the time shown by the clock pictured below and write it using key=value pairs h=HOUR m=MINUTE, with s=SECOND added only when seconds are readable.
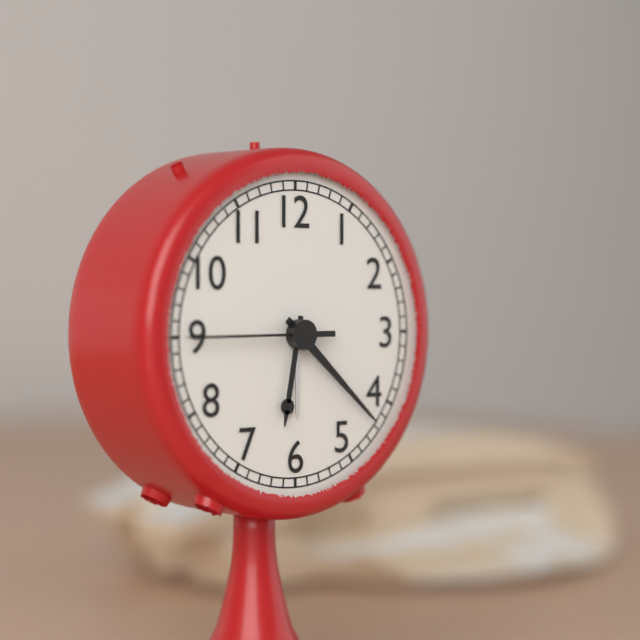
h=6 m=22 s=45
